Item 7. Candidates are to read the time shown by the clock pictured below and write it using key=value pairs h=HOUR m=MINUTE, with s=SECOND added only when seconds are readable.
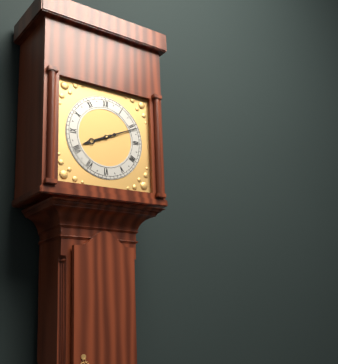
h=8 m=11
